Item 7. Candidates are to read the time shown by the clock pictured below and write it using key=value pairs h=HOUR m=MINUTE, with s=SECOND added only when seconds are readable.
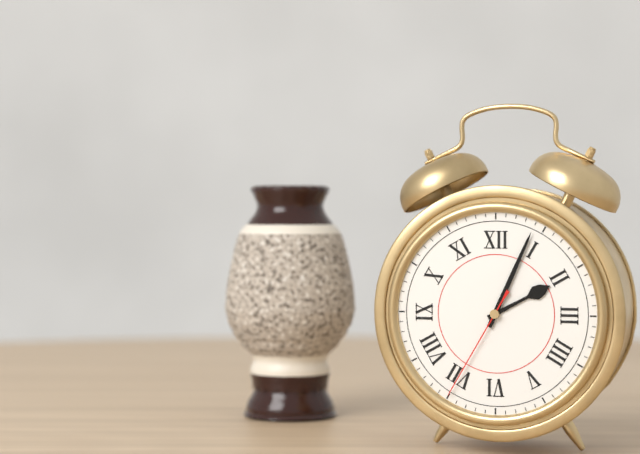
h=2 m=4 s=35
